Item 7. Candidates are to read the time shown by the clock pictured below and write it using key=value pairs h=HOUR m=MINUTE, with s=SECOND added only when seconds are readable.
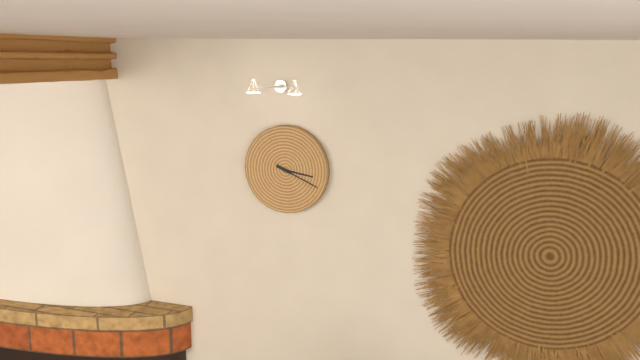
h=3 m=19
